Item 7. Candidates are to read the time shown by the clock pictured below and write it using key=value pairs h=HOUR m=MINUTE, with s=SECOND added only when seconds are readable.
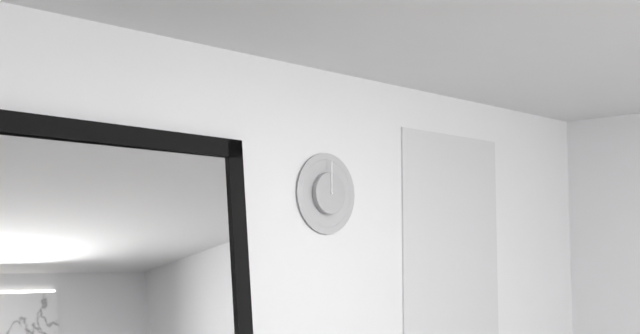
h=12 m=0
